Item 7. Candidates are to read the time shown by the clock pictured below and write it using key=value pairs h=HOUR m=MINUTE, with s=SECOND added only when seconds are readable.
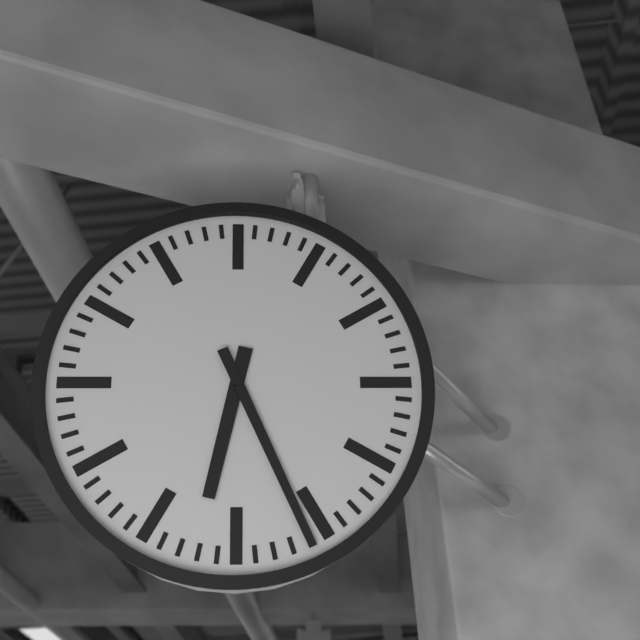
h=6 m=26
